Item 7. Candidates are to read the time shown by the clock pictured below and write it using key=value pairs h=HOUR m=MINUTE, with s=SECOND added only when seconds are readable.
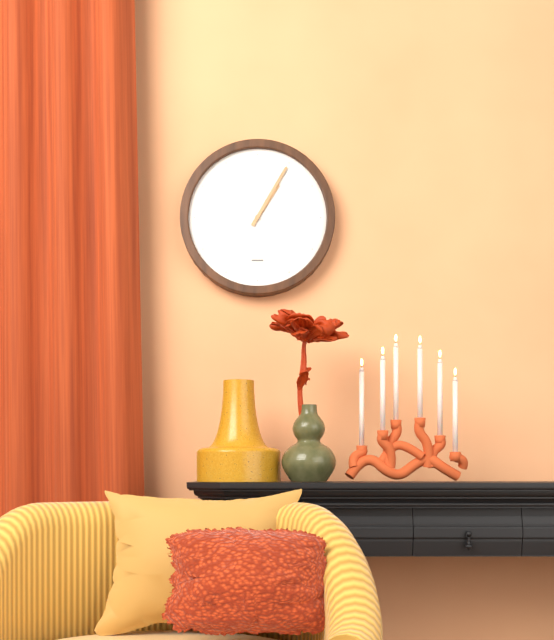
h=1 m=5
